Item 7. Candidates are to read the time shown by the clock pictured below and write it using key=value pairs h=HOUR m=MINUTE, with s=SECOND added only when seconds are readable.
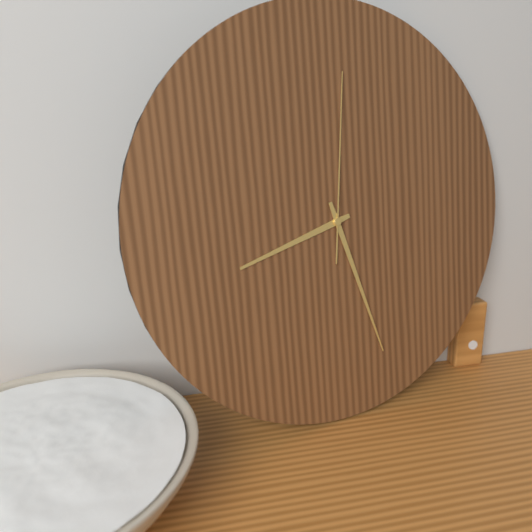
h=8 m=27 s=1
